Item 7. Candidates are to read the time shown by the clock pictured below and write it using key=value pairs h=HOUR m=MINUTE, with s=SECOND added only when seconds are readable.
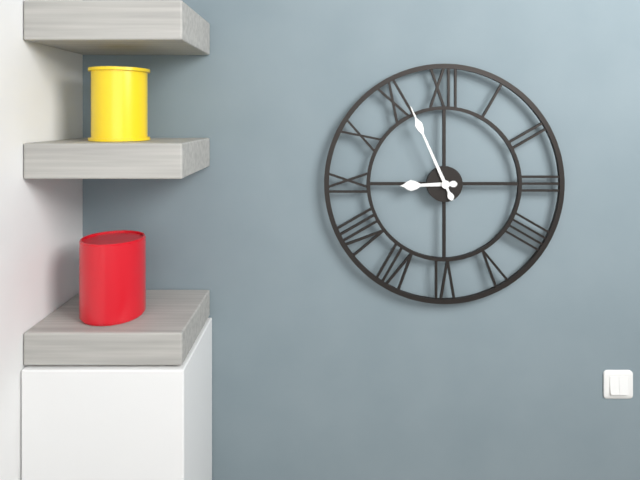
h=8 m=56
